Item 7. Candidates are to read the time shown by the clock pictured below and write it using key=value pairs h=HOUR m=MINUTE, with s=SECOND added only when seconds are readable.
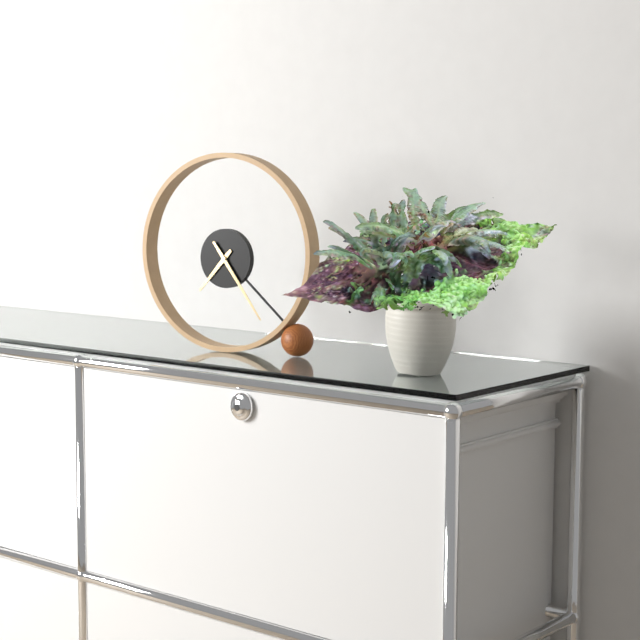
h=7 m=24
